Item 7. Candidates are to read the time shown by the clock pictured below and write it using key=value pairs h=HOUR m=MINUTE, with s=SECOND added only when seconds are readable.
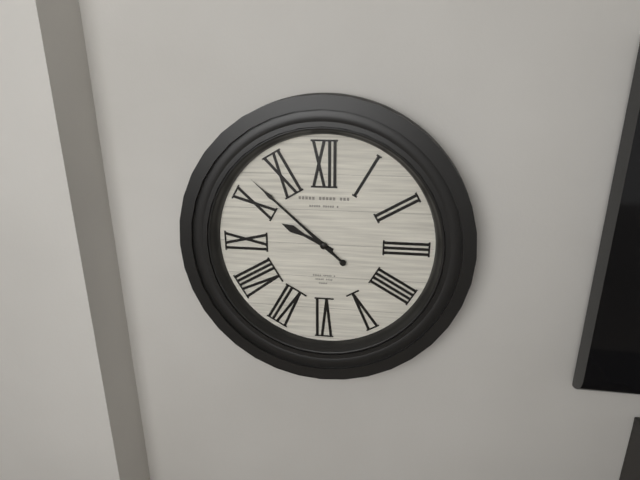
h=9 m=52
